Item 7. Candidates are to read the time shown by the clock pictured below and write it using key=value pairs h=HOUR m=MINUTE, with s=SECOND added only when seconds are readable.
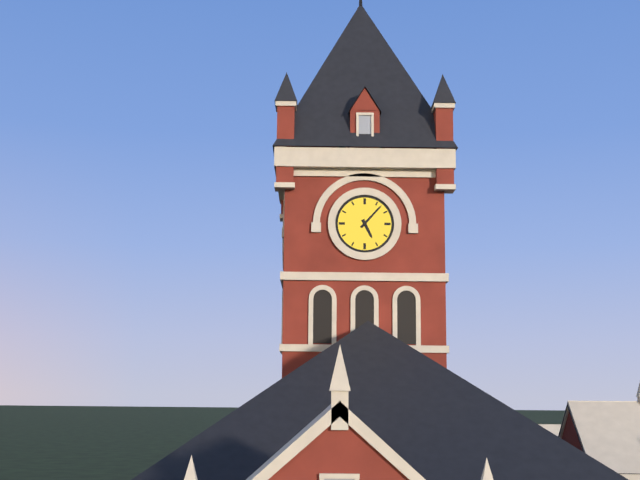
h=5 m=7
